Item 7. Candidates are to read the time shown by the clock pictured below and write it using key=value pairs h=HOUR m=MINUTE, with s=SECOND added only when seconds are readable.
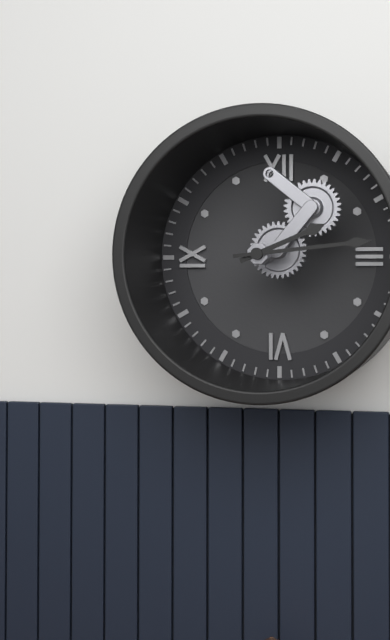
h=2 m=14
